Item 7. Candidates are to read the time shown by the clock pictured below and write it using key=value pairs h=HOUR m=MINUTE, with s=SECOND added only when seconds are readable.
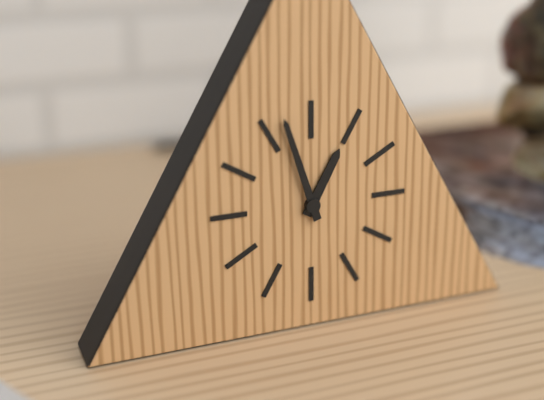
h=12 m=57
